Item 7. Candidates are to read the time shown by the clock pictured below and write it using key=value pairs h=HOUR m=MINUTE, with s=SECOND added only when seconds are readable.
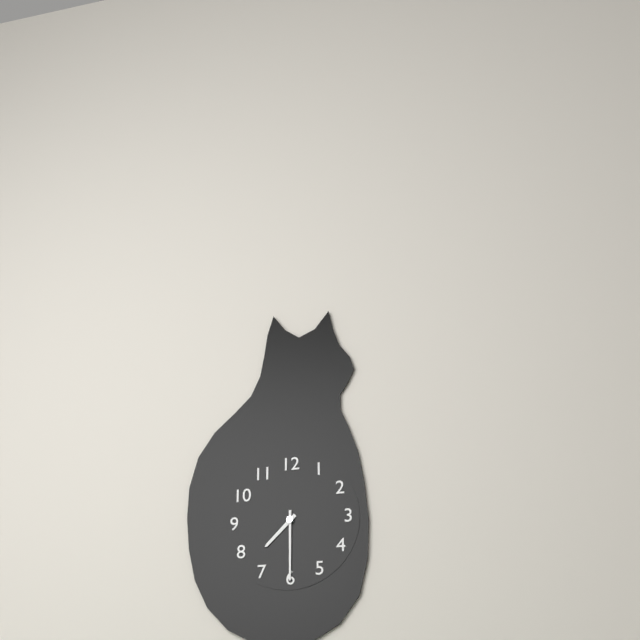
h=7 m=30
